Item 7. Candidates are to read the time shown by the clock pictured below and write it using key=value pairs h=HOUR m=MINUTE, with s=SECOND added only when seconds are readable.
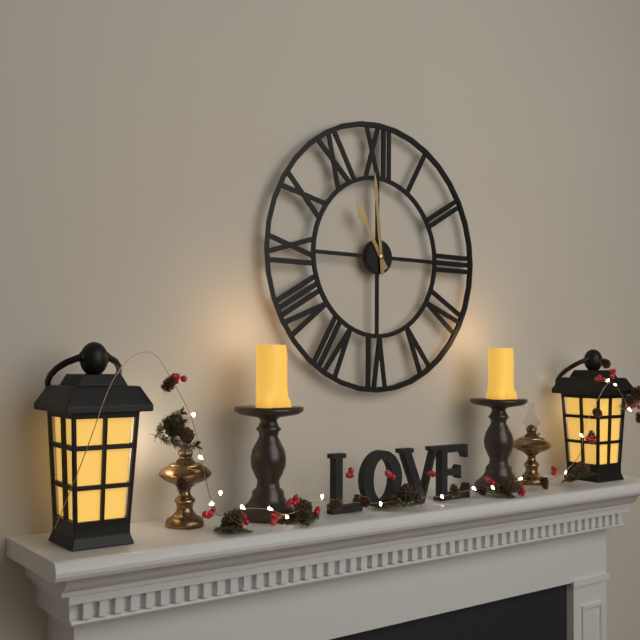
h=10 m=59
